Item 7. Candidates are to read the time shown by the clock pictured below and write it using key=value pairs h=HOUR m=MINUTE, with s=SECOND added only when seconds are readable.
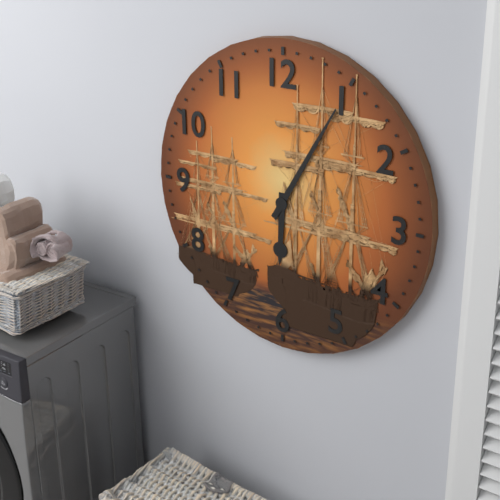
h=6 m=5
